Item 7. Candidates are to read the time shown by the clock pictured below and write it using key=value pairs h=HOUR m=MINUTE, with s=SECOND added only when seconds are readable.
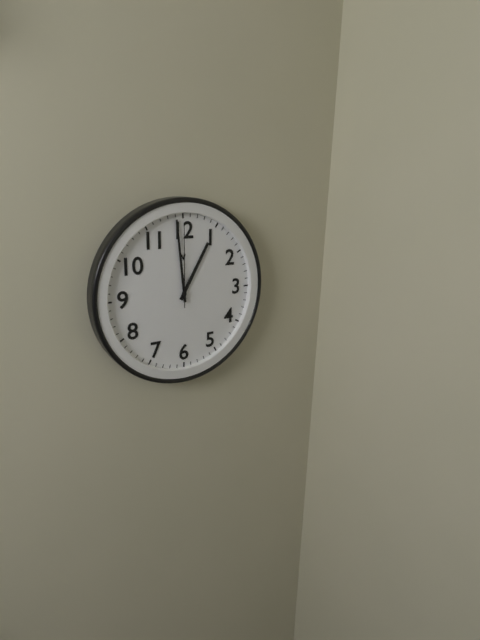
h=12 m=59 s=0
